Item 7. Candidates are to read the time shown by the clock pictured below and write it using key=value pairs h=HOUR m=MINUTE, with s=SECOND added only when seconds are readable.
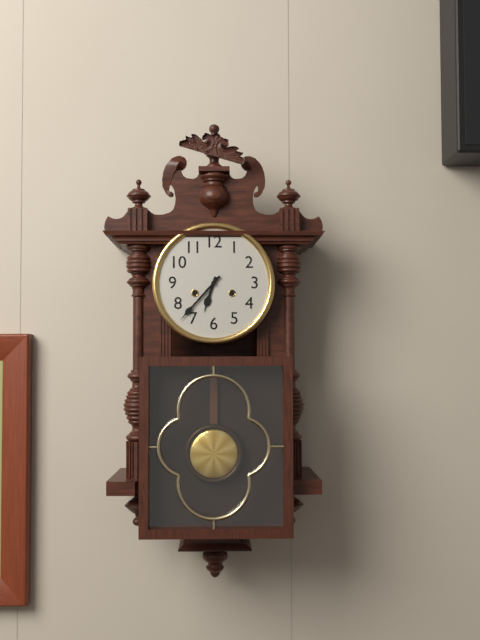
h=6 m=37
